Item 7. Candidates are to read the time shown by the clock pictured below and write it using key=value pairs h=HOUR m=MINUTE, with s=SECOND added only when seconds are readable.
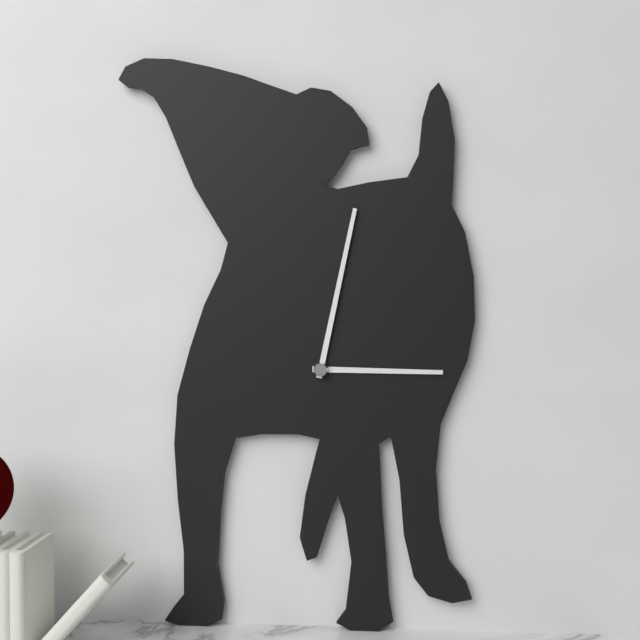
h=3 m=2
